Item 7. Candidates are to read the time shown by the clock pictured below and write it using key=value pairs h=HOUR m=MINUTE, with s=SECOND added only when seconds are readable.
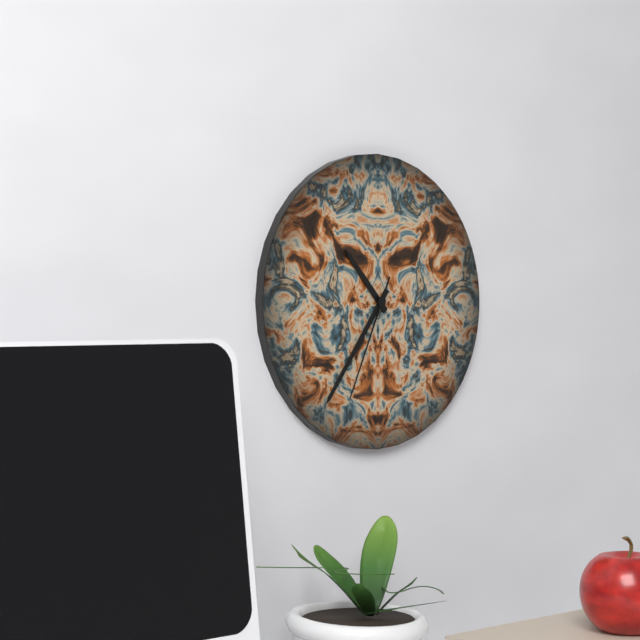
h=10 m=36 s=34
